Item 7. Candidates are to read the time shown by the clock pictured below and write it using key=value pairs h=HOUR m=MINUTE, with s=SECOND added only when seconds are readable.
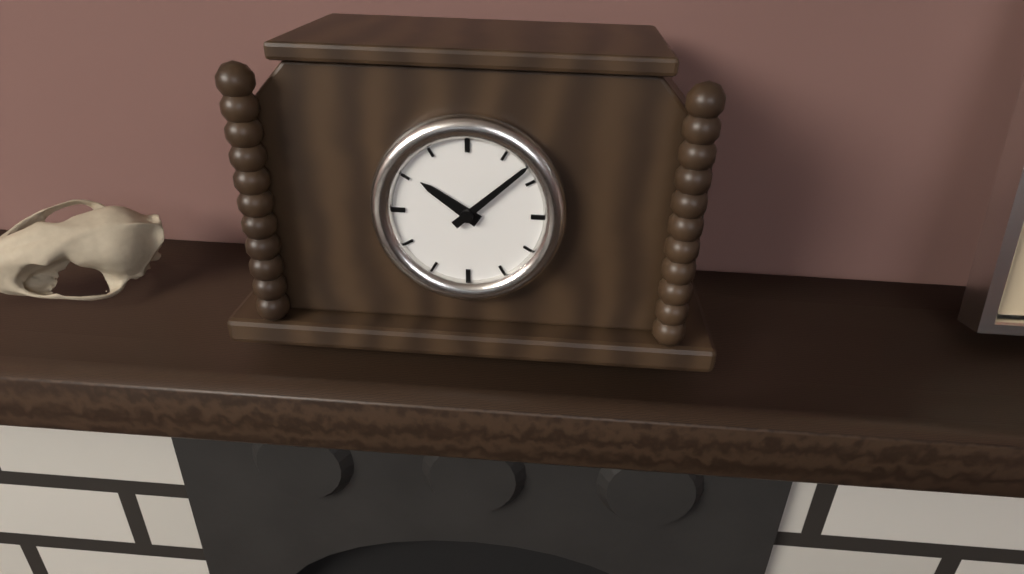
h=10 m=8
